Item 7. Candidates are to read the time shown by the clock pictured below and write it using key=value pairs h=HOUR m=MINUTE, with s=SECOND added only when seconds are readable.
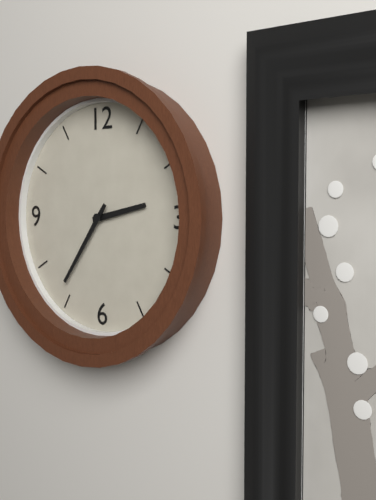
h=2 m=36
